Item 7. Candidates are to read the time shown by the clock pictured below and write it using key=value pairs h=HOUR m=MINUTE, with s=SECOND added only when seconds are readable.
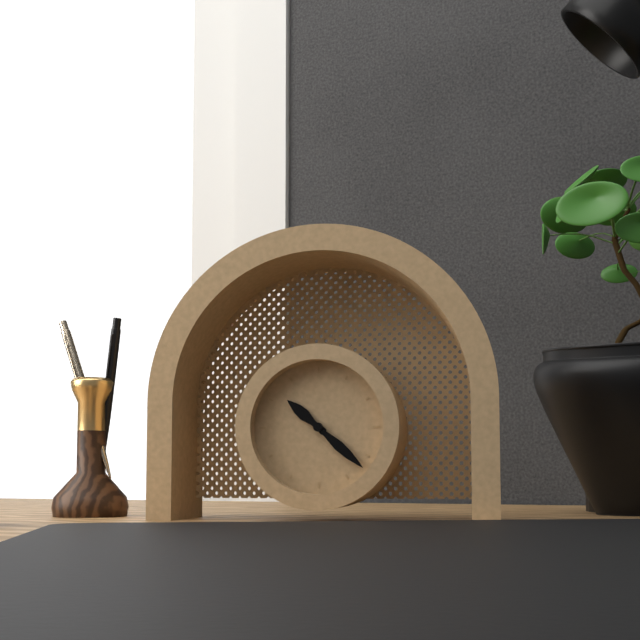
h=10 m=22
